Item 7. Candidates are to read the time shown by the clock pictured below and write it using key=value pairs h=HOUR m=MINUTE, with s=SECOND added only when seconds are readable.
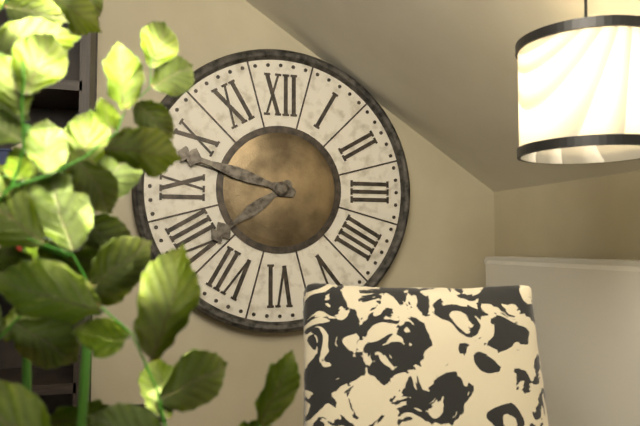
h=7 m=48
